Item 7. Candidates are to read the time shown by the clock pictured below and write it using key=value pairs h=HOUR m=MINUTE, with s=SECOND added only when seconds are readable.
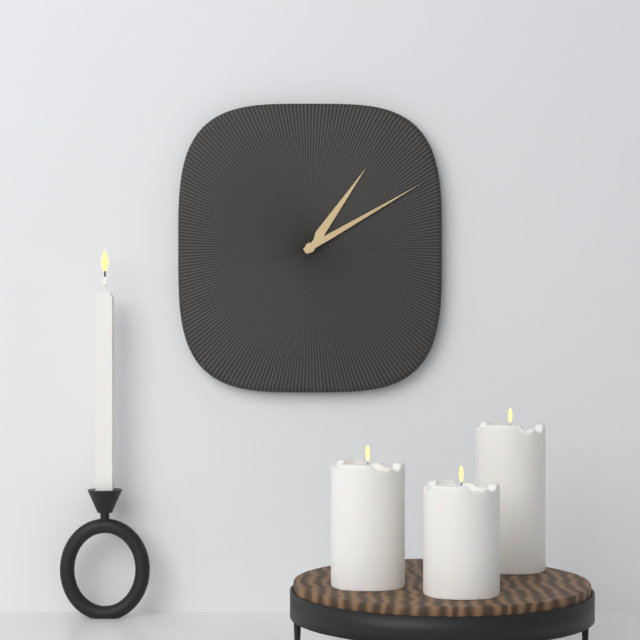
h=1 m=10
